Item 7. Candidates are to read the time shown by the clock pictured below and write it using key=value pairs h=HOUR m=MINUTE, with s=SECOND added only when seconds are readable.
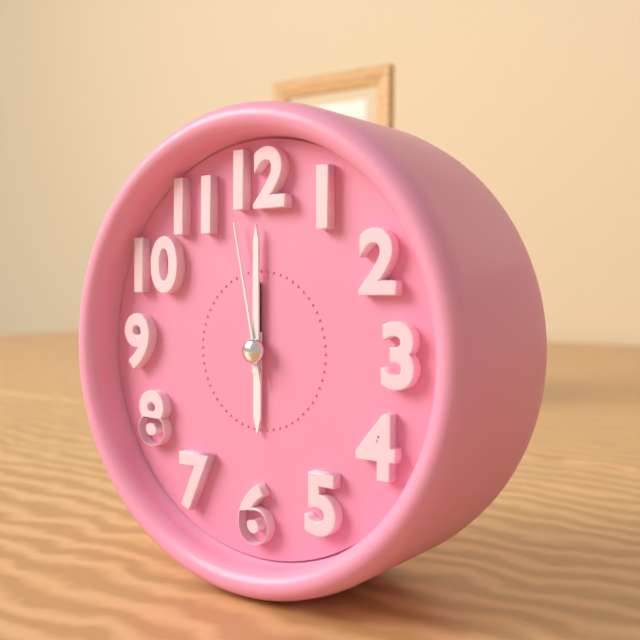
h=6 m=0 s=58
